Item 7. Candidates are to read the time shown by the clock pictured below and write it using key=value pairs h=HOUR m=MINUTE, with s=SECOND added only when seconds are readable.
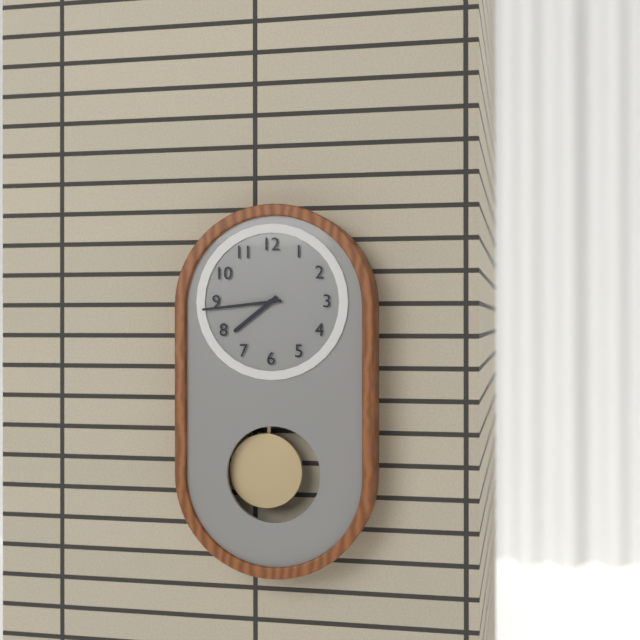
h=7 m=44
